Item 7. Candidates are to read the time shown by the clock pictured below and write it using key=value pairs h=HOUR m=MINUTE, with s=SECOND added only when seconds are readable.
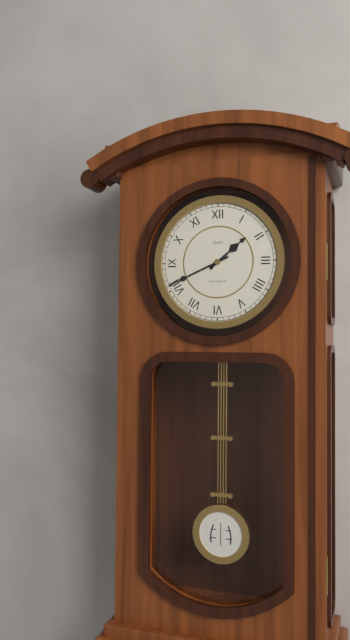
h=1 m=41
